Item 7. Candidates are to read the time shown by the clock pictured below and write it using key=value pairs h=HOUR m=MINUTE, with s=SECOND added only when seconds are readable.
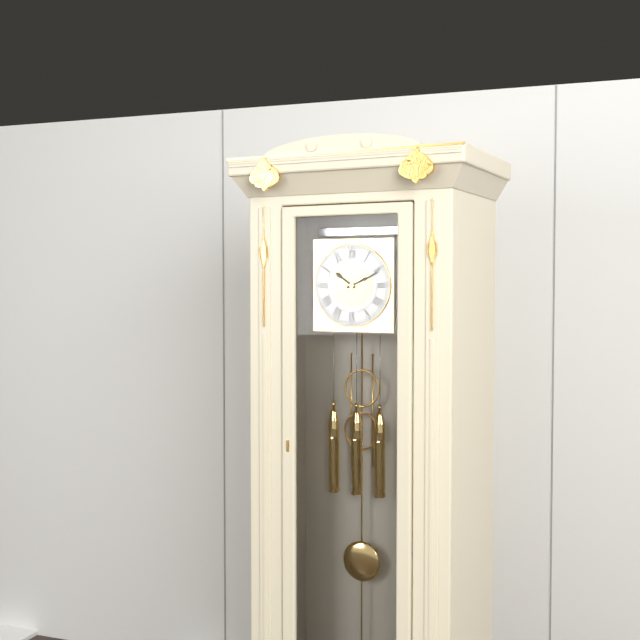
h=10 m=11
